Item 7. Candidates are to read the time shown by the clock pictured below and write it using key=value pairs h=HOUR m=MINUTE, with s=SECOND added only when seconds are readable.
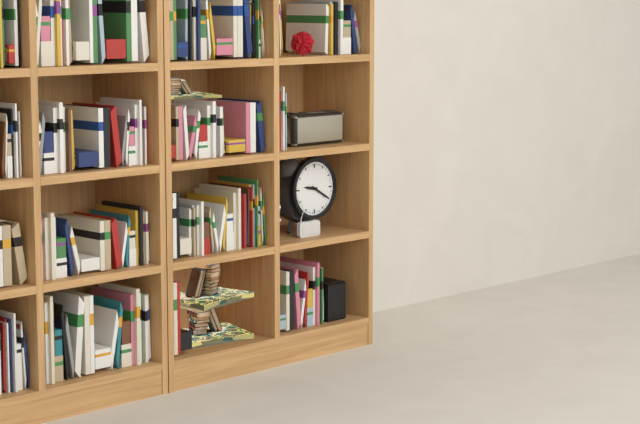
h=9 m=20
